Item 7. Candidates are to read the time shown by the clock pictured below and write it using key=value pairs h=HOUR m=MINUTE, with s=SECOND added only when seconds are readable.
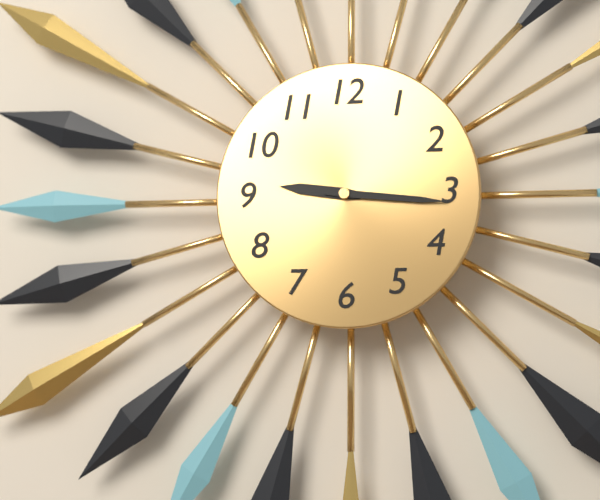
h=9 m=16
